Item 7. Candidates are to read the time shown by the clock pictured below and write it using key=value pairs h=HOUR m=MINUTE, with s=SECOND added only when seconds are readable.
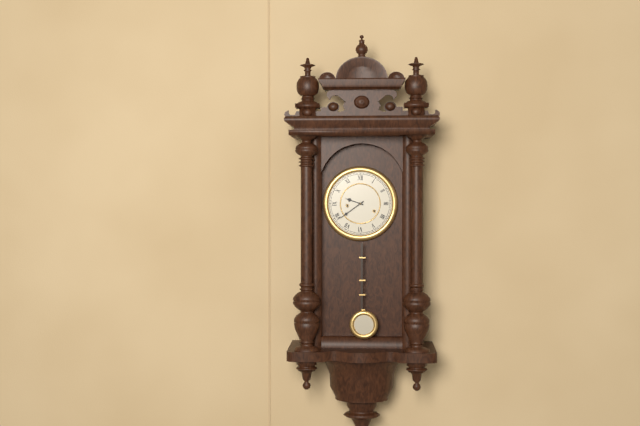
h=9 m=39
